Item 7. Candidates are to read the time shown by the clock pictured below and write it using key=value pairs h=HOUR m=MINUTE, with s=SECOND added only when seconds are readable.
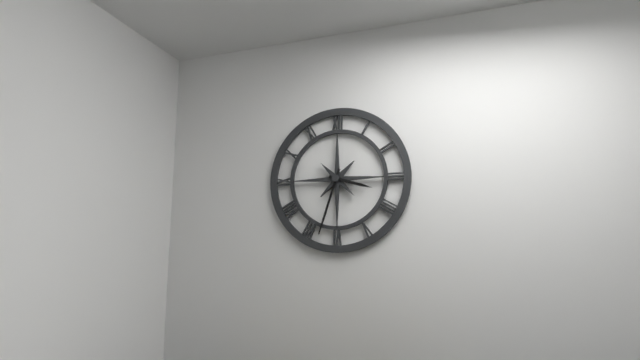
h=3 m=33
